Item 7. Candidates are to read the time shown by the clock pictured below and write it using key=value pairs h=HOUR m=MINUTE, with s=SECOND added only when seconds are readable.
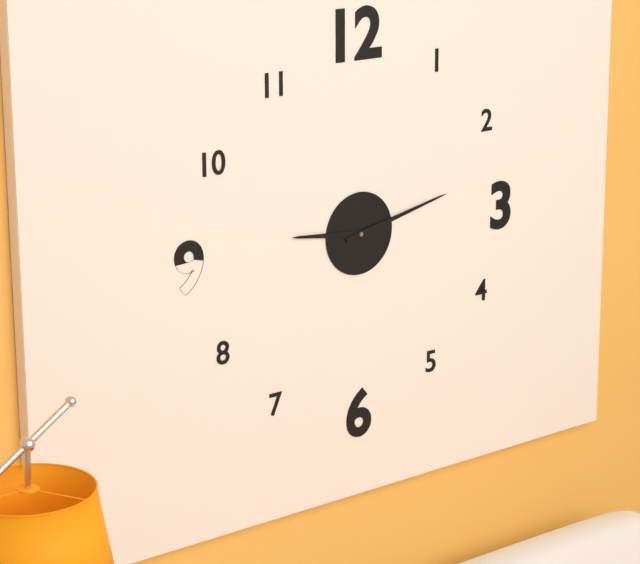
h=9 m=13
